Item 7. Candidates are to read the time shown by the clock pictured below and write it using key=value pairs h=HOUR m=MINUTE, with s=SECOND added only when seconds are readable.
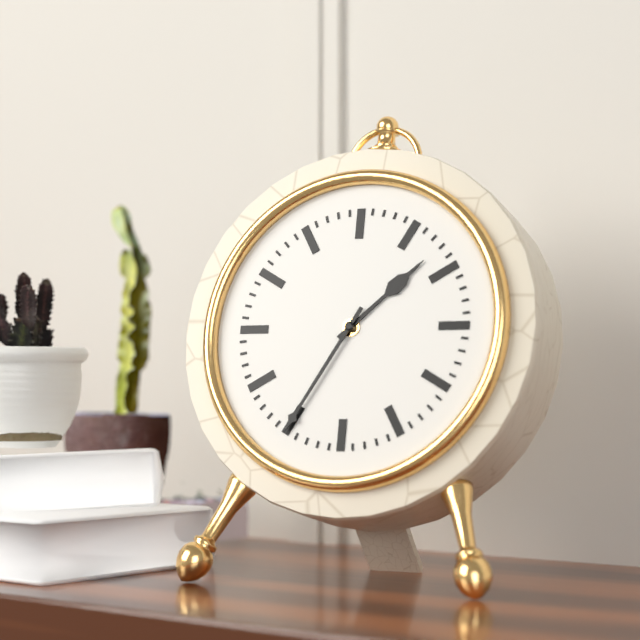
h=1 m=35
